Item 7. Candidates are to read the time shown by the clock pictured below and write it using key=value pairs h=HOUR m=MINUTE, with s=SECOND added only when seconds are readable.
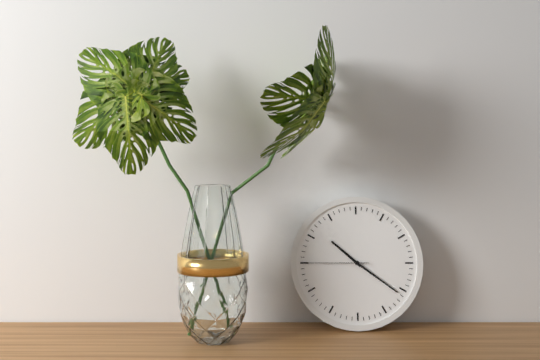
h=10 m=21 s=45
